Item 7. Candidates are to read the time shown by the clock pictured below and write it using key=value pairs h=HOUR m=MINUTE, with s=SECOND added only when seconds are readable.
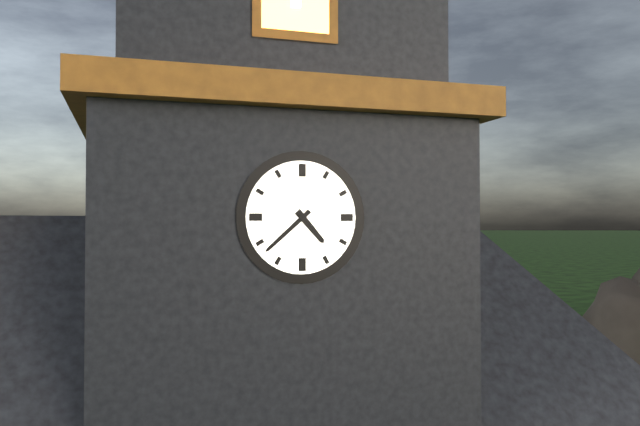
h=4 m=38
